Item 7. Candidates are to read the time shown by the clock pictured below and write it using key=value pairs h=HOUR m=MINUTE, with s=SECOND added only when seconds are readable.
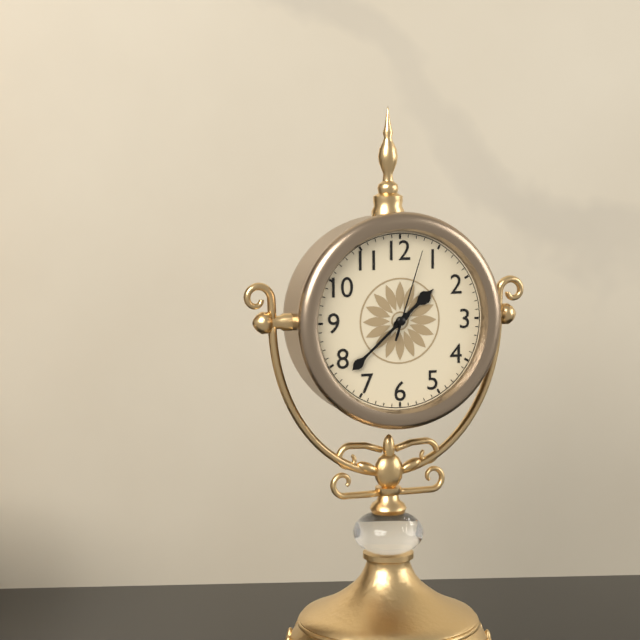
h=1 m=38 s=3
